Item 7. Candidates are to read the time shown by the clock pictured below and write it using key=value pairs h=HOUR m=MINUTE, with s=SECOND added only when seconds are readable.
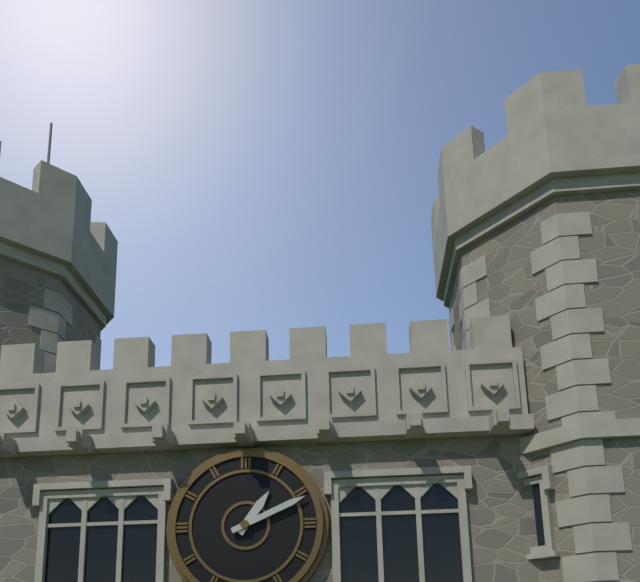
h=1 m=11
